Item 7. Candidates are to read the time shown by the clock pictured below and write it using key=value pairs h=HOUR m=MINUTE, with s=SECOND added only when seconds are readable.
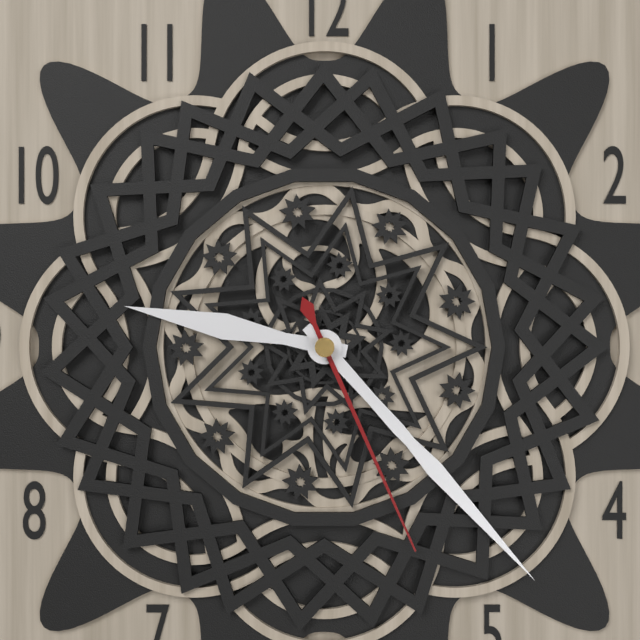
h=9 m=23 s=26
